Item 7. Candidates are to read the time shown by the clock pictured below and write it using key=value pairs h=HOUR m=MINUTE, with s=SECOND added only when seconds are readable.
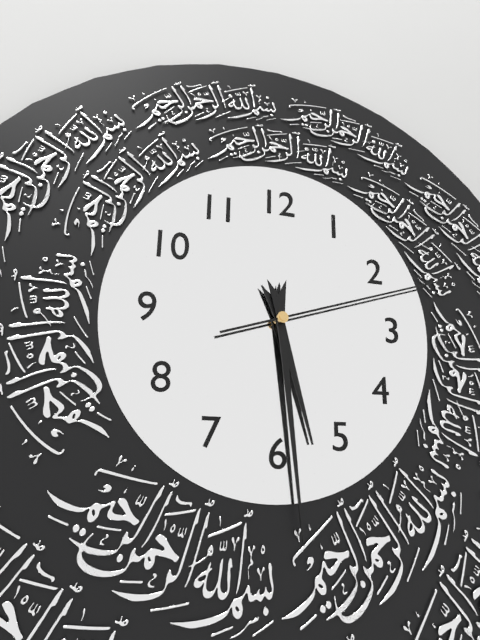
h=5 m=29 s=12
